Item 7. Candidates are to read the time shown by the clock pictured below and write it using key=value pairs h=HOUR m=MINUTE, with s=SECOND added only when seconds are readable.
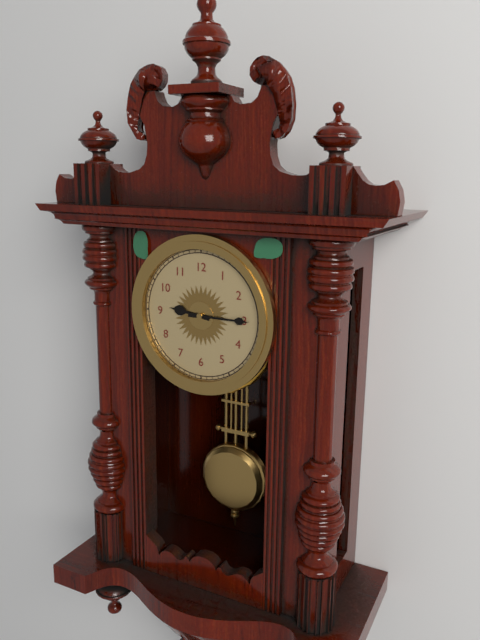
h=9 m=15
